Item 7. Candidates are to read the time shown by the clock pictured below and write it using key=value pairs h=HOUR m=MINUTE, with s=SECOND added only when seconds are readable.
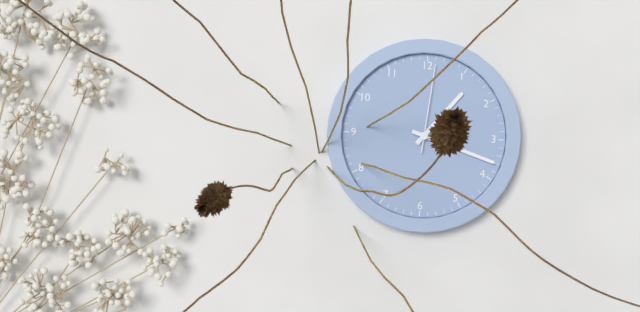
h=1 m=18 s=1
